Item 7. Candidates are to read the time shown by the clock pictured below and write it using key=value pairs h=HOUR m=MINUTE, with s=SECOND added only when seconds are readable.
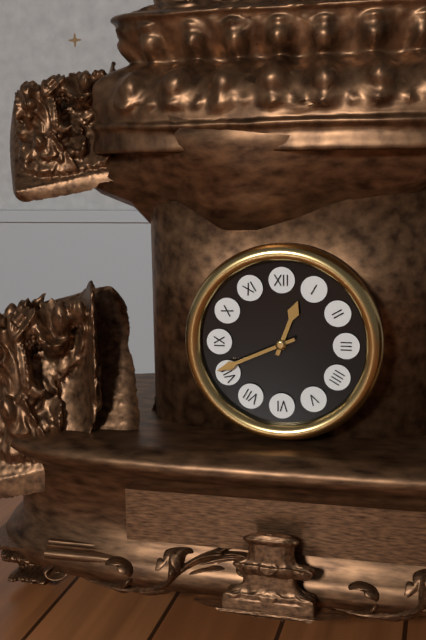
h=12 m=41
